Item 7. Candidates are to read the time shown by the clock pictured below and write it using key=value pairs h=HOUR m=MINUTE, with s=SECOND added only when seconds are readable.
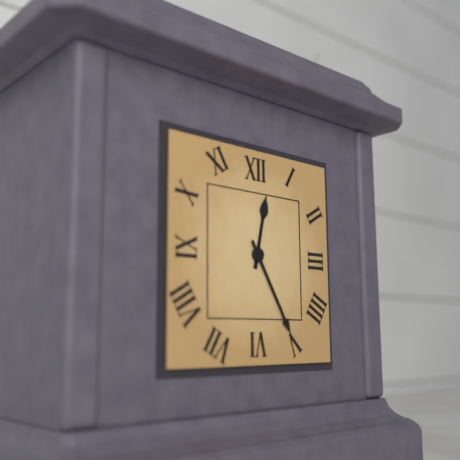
h=12 m=25
